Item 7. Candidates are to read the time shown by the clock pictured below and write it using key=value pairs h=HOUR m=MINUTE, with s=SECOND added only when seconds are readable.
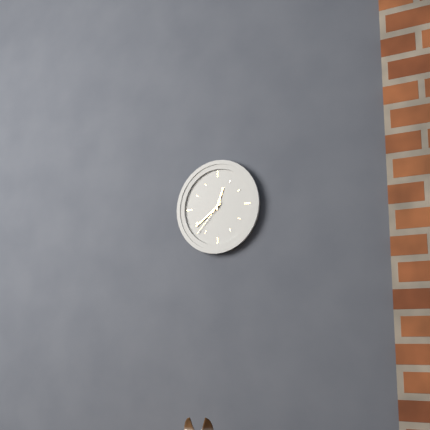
h=12 m=39
